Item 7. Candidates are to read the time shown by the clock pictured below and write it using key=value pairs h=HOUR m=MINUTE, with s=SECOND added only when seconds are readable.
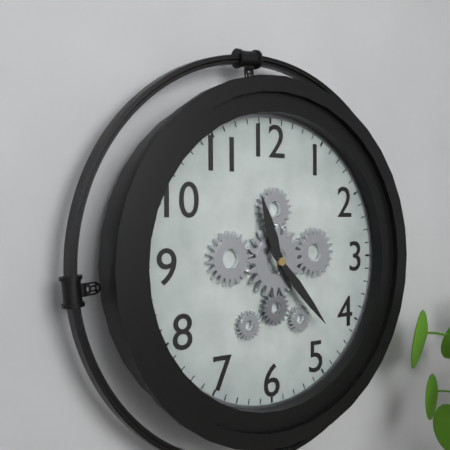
h=11 m=23
